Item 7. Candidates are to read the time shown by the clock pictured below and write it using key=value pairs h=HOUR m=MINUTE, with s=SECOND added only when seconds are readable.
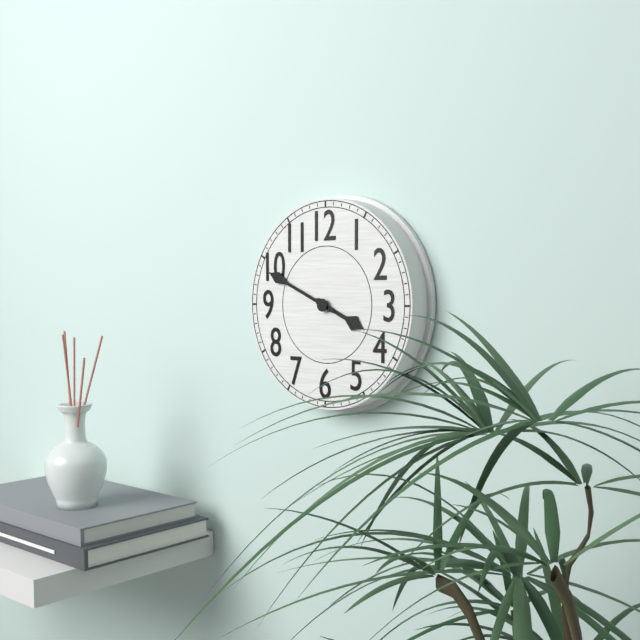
h=3 m=49
